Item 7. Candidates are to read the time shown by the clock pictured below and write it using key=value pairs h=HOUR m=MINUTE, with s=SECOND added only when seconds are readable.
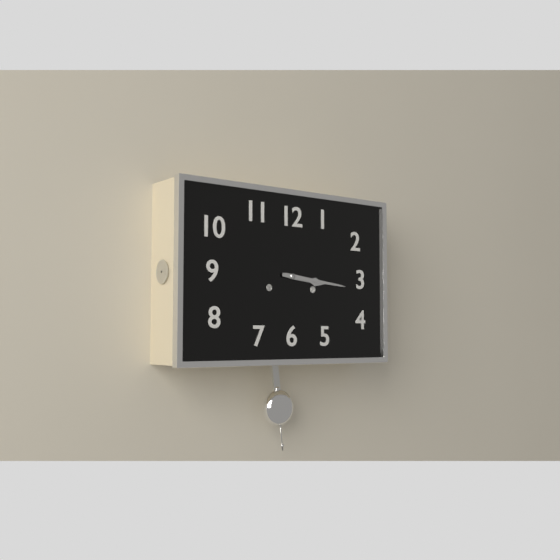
h=3 m=16
